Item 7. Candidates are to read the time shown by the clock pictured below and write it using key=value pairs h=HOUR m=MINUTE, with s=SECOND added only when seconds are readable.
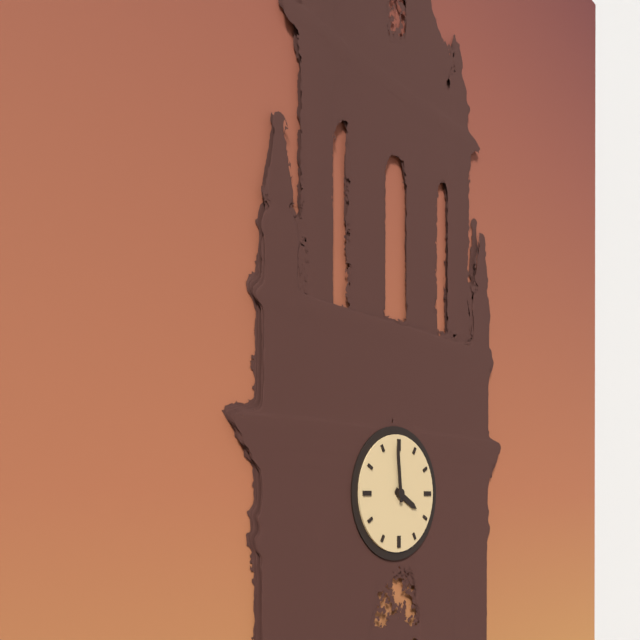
h=3 m=59
